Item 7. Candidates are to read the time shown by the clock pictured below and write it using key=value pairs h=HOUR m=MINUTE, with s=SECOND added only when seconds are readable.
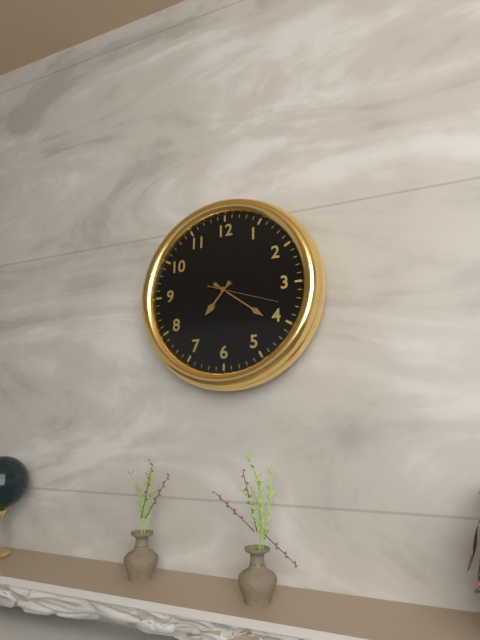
h=7 m=21 s=18
